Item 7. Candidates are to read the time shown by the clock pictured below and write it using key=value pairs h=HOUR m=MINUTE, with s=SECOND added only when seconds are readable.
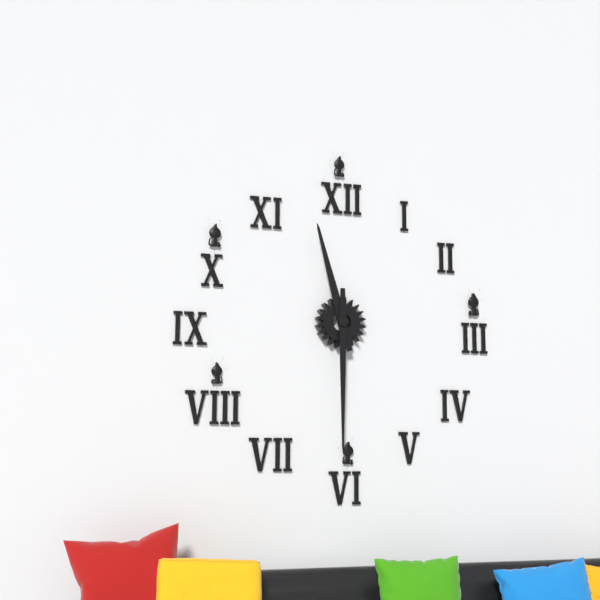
h=11 m=30
